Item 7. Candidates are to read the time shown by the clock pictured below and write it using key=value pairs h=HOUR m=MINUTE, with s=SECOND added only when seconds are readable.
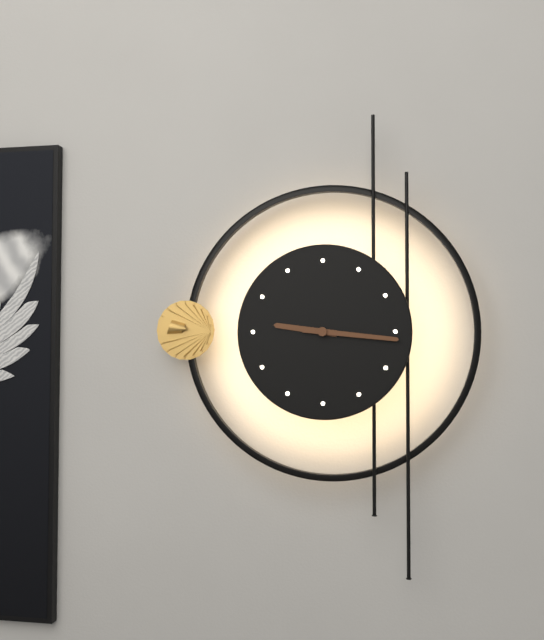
h=9 m=16
